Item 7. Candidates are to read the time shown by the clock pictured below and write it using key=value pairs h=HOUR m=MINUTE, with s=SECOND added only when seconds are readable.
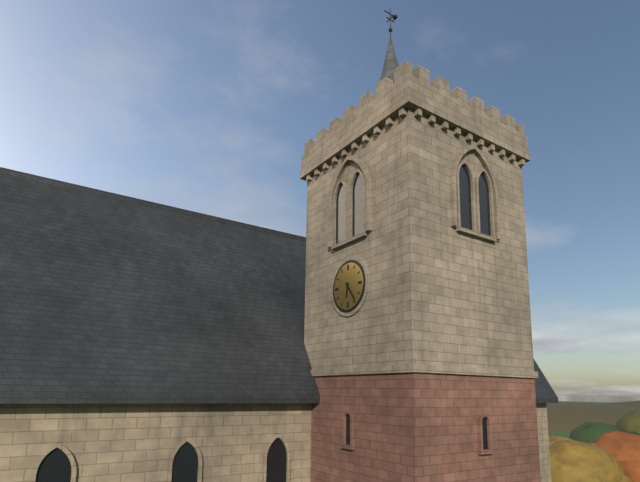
h=6 m=24
